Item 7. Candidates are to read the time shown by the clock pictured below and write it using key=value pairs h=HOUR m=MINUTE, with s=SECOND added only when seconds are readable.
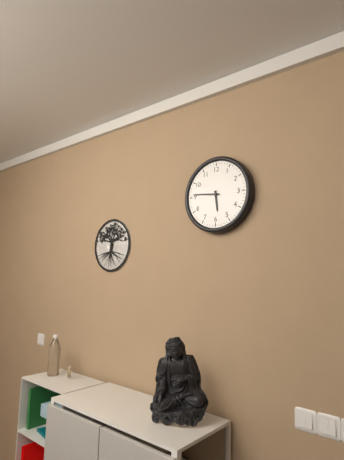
h=5 m=46
